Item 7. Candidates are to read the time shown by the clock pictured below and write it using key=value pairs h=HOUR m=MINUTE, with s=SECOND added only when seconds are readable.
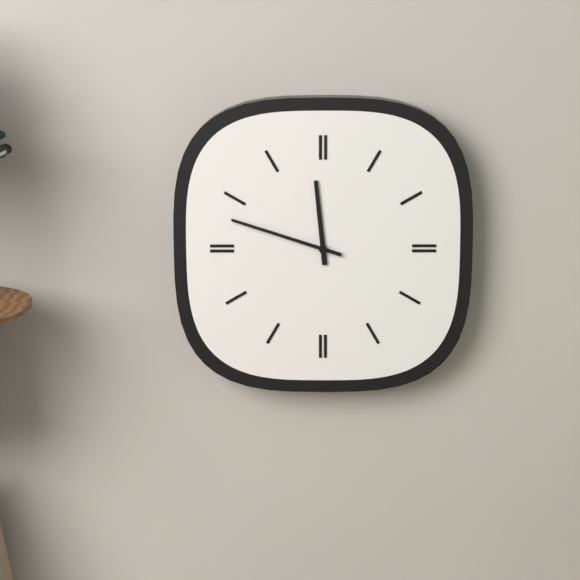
h=11 m=48
